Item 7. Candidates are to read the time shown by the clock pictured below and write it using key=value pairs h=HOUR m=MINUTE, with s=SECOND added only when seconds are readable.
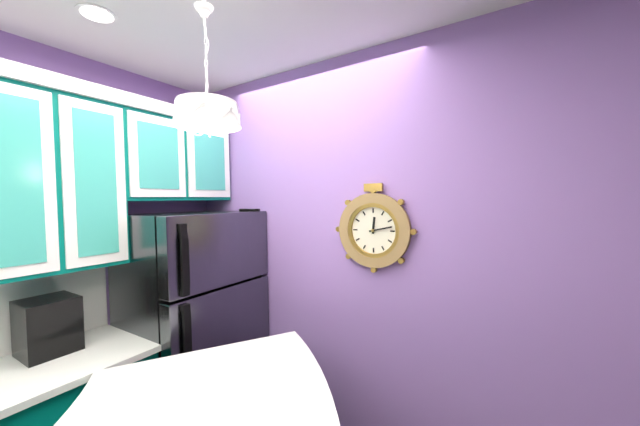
h=12 m=13
